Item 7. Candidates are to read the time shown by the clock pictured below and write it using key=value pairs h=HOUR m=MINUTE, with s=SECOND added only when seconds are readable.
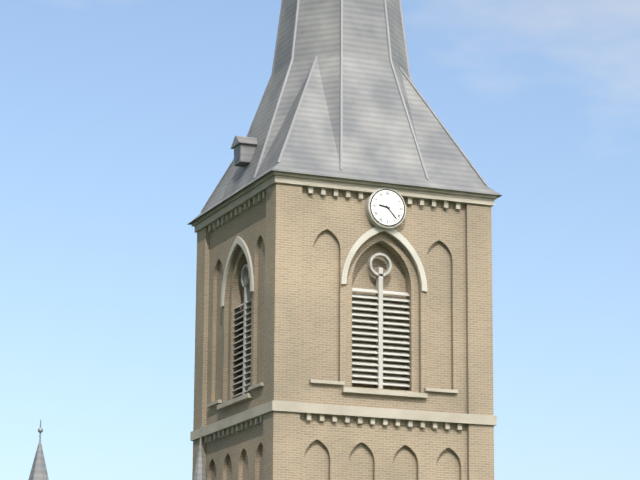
h=9 m=23
